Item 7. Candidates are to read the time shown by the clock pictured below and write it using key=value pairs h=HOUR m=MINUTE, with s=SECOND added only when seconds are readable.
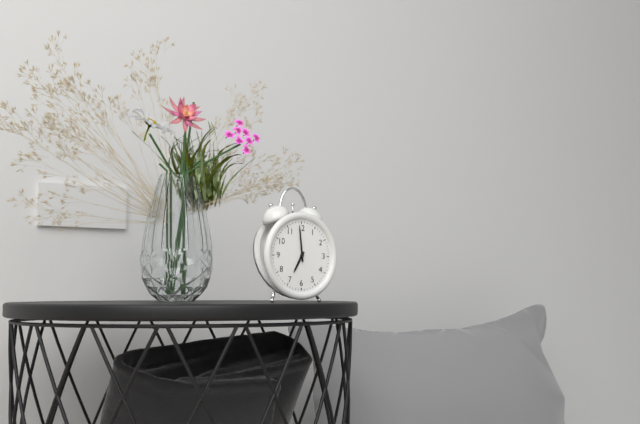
h=6 m=59
